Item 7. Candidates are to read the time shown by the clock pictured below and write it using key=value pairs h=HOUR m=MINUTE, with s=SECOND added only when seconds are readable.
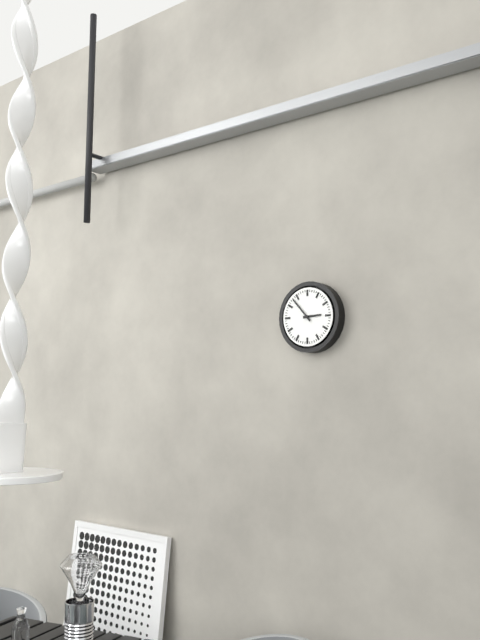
h=2 m=53
